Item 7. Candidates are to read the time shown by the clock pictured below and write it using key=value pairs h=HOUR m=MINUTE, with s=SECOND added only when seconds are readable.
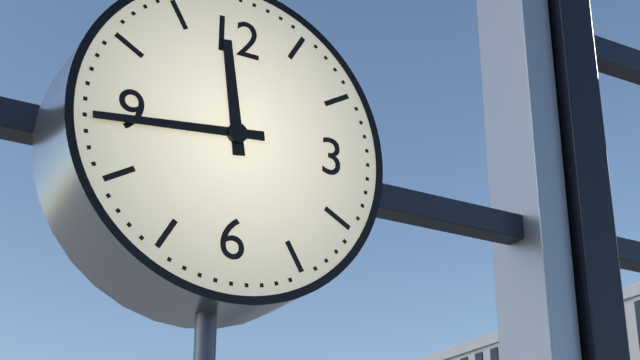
h=11 m=44
